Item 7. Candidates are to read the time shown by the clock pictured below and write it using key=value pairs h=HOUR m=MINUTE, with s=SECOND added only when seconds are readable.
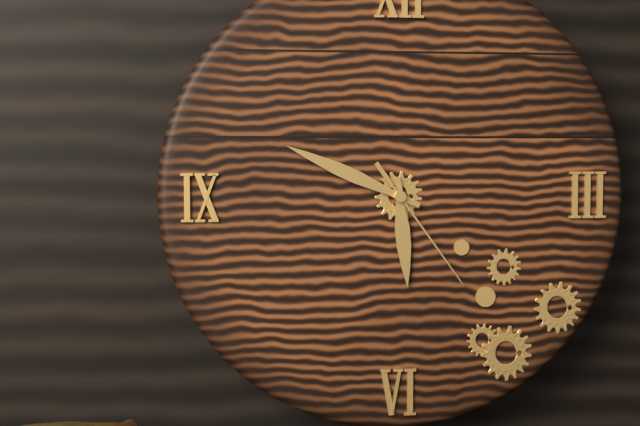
h=5 m=49 s=24
